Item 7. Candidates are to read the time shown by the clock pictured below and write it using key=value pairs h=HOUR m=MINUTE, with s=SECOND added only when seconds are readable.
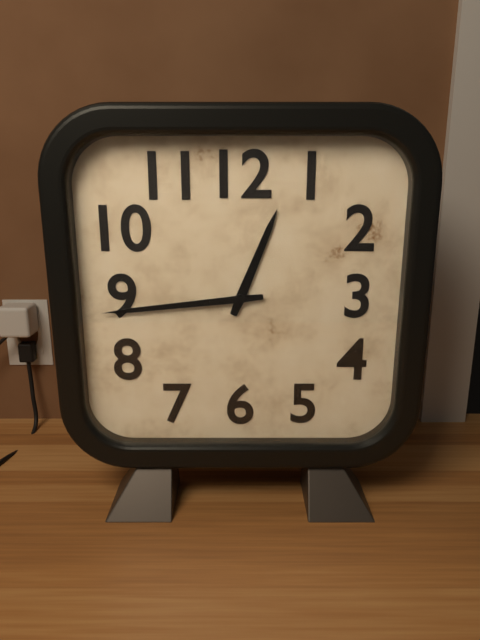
h=12 m=44
